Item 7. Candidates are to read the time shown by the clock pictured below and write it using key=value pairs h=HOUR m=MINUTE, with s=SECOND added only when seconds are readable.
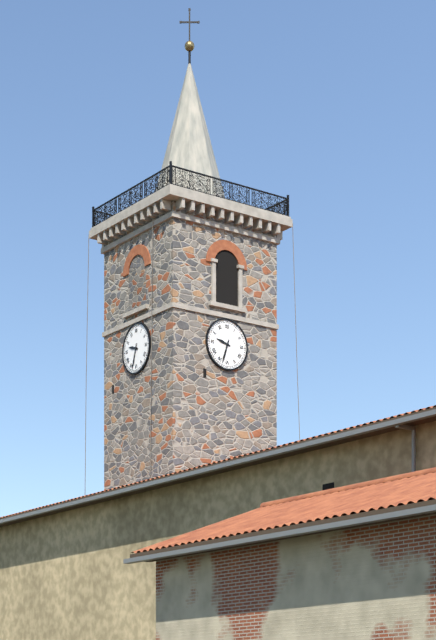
h=9 m=33
